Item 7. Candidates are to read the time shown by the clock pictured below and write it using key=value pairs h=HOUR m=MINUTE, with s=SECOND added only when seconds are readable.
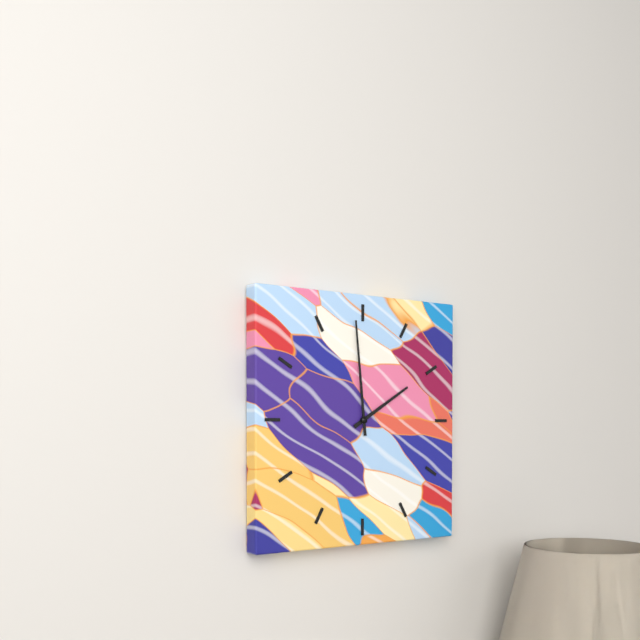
h=1 m=59
